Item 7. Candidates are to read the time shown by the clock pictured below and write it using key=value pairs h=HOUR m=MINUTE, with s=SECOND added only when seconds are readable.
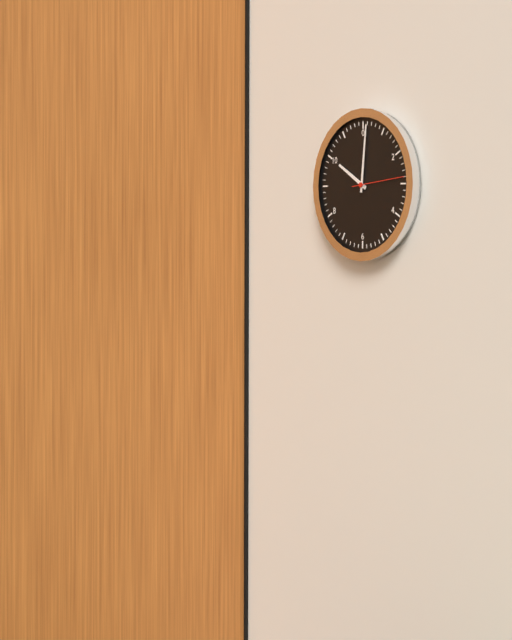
h=10 m=1 s=14
